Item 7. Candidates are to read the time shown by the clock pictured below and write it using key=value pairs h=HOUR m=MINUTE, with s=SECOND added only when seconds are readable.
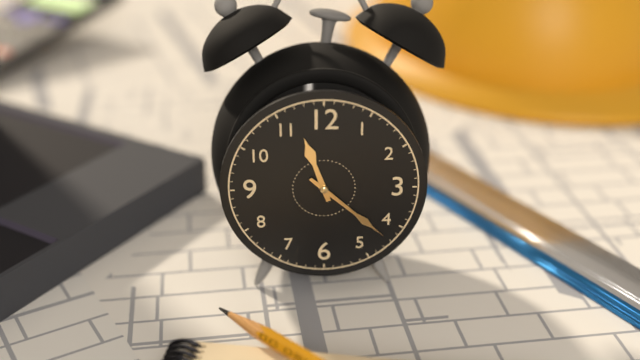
h=11 m=22
